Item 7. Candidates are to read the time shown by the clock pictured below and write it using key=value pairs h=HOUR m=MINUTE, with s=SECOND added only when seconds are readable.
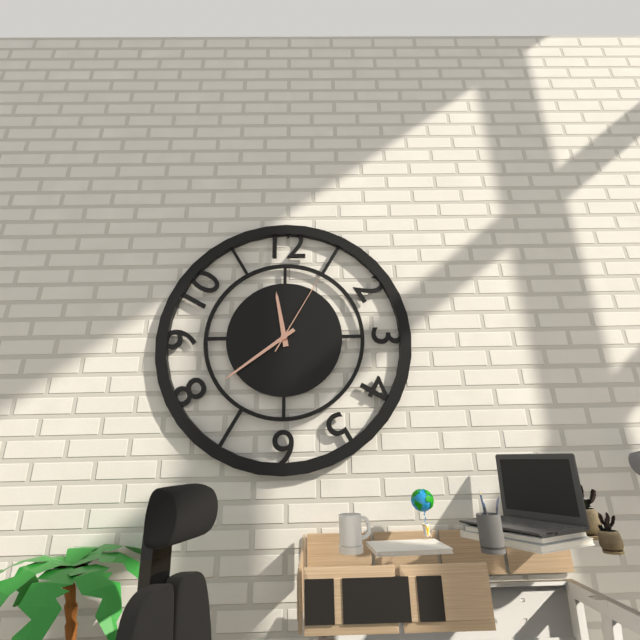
h=11 m=39 s=5
